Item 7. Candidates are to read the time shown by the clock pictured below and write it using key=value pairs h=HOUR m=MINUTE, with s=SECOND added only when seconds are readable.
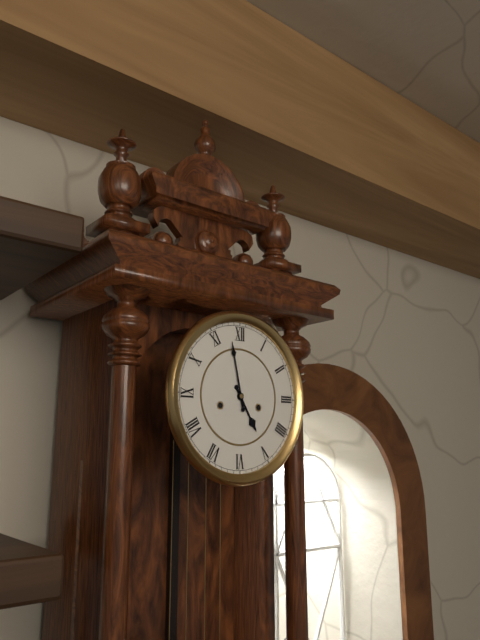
h=4 m=58
